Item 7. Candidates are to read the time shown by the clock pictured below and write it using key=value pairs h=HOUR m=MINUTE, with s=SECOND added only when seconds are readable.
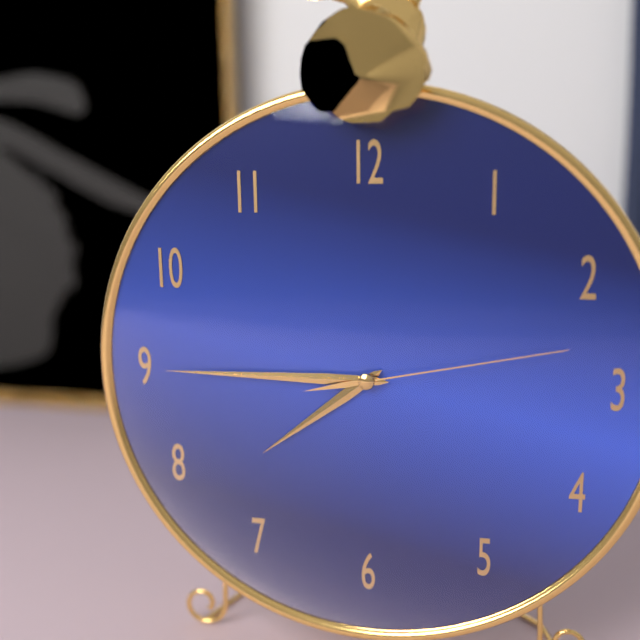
h=7 m=45 s=13
